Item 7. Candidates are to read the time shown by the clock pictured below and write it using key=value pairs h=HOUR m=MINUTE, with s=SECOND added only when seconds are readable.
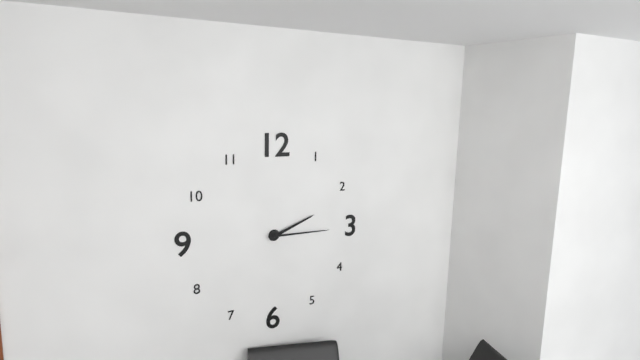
h=2 m=15
